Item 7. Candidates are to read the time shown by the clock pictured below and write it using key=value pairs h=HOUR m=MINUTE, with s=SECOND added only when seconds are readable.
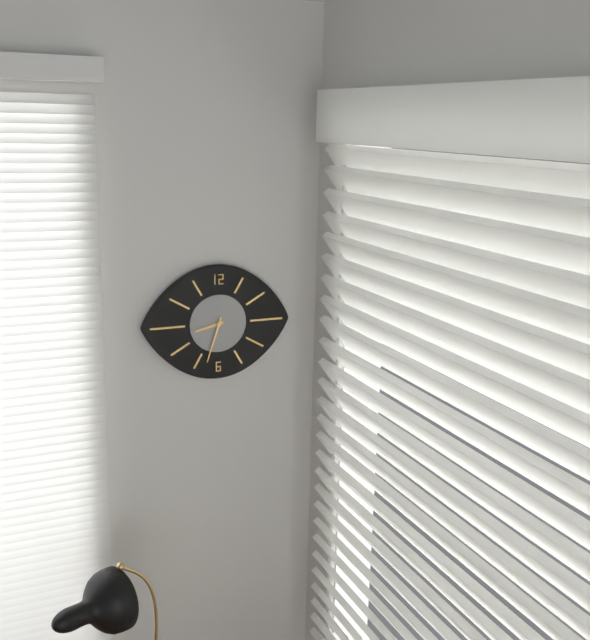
h=8 m=33
